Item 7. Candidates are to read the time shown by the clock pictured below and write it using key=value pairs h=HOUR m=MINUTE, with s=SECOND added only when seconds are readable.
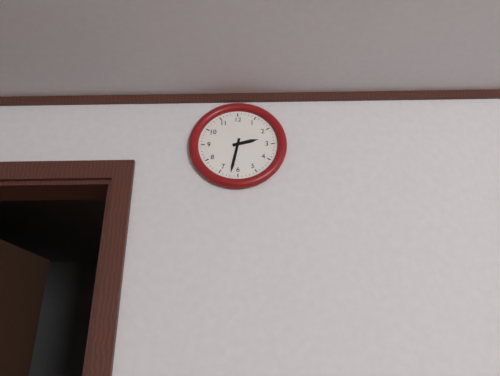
h=2 m=32
